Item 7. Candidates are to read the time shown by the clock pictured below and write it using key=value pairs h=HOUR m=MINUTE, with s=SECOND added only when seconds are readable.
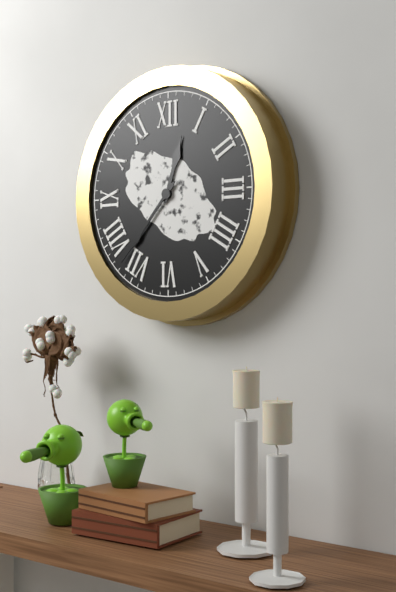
h=12 m=37
